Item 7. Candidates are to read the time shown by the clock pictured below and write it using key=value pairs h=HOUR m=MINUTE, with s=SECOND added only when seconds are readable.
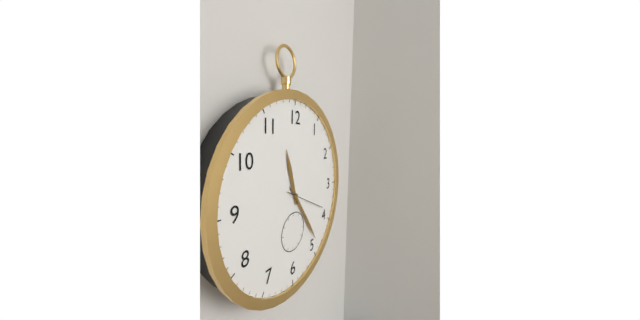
h=11 m=24
